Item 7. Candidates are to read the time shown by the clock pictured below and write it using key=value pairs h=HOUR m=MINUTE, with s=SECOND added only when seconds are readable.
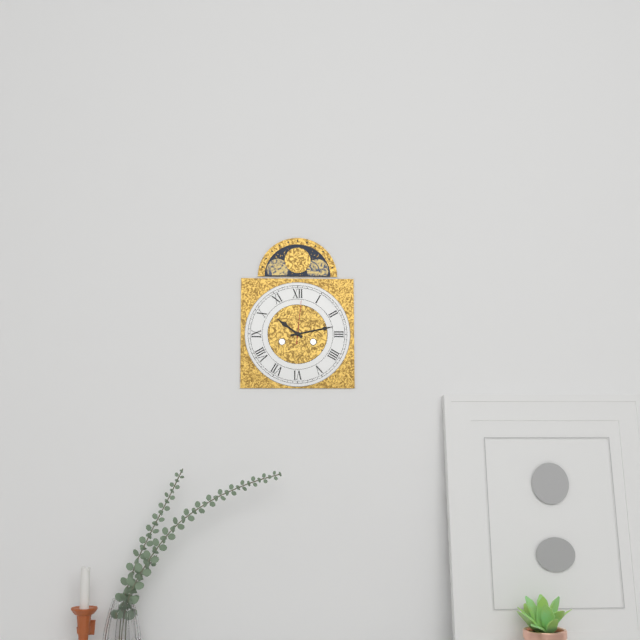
h=10 m=13
